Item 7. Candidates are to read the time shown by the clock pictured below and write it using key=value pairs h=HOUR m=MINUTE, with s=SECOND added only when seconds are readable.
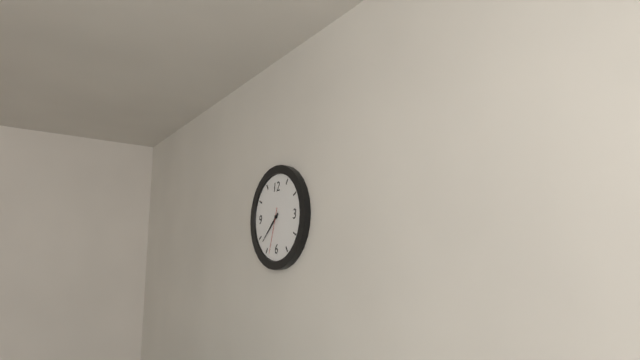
h=7 m=38
